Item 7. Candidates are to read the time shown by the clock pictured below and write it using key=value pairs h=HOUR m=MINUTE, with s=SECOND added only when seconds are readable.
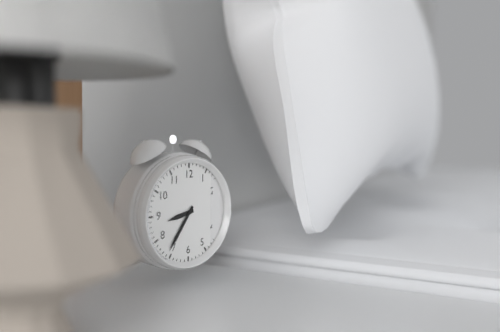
h=8 m=36
